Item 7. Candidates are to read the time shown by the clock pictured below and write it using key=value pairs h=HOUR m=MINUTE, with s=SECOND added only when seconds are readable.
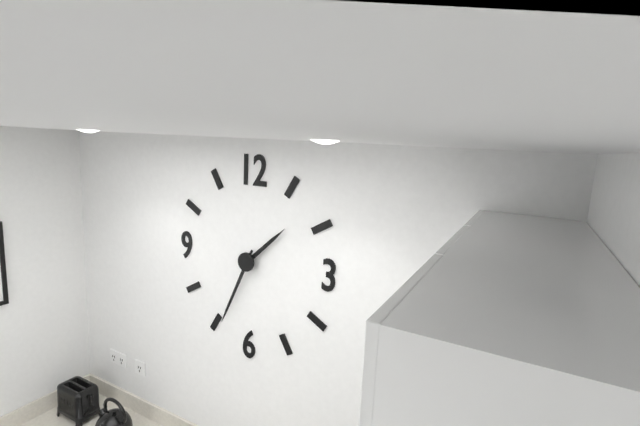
h=1 m=34
